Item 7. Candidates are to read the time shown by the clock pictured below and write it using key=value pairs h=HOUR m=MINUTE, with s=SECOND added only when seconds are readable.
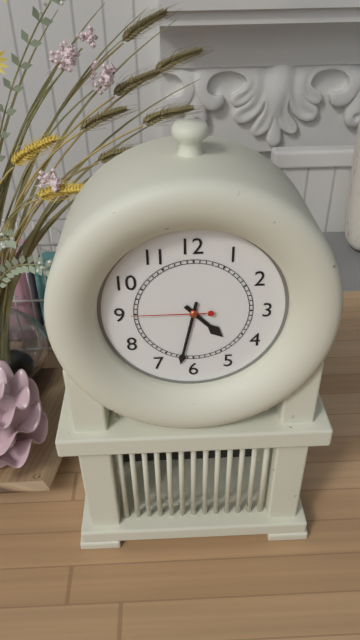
h=4 m=32 s=45
